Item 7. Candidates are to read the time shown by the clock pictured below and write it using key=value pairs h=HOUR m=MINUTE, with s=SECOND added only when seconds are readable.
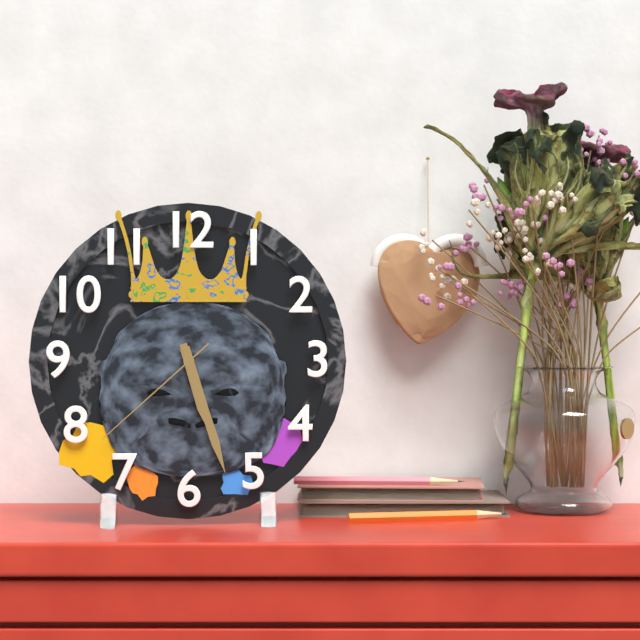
h=5 m=27 s=38
